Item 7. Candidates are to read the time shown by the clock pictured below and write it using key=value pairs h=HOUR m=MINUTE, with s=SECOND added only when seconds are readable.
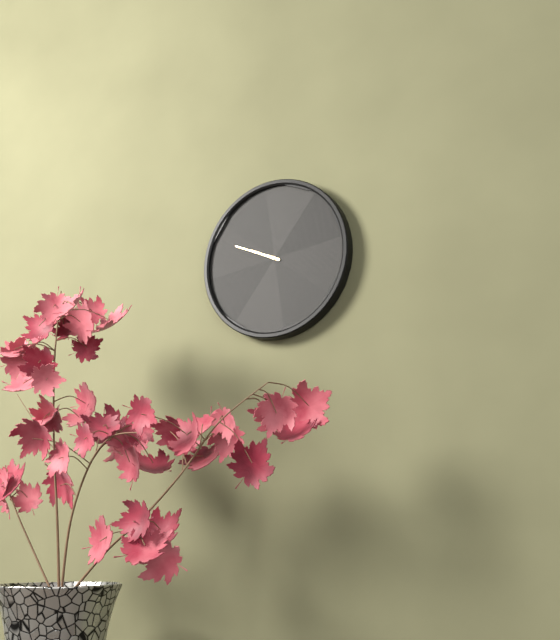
h=9 m=49
